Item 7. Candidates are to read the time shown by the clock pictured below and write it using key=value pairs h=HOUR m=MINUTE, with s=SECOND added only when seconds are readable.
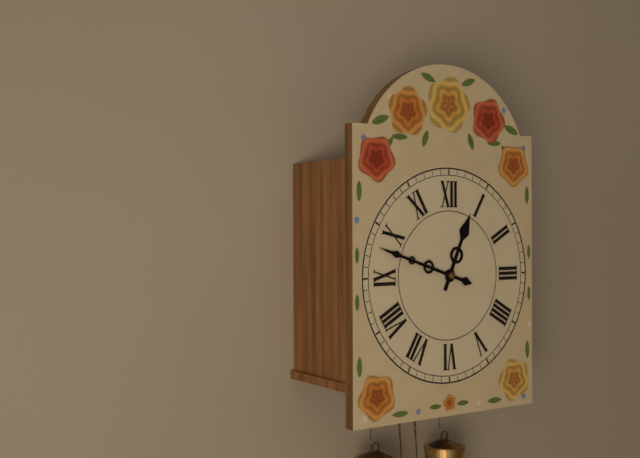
h=12 m=48
